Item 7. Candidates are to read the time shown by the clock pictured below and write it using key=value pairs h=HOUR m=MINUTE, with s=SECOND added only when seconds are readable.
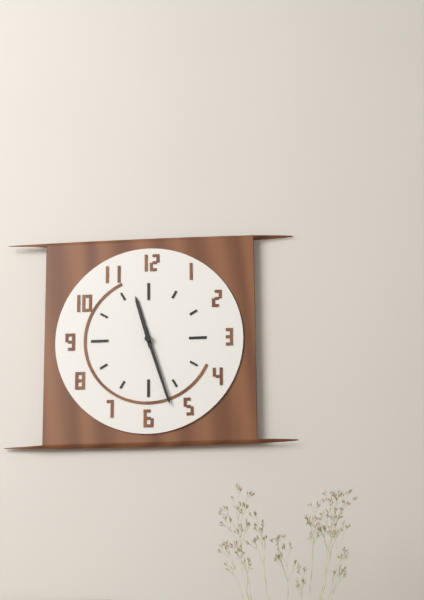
h=11 m=27
